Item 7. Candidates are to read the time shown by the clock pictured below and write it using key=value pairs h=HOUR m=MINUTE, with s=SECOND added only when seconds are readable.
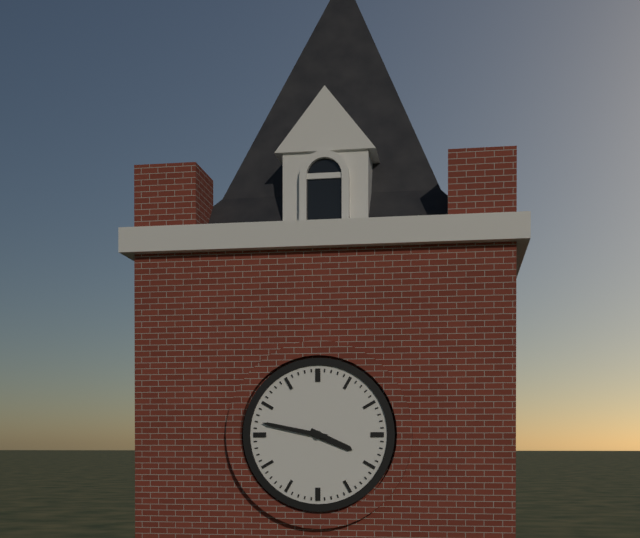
h=3 m=47
